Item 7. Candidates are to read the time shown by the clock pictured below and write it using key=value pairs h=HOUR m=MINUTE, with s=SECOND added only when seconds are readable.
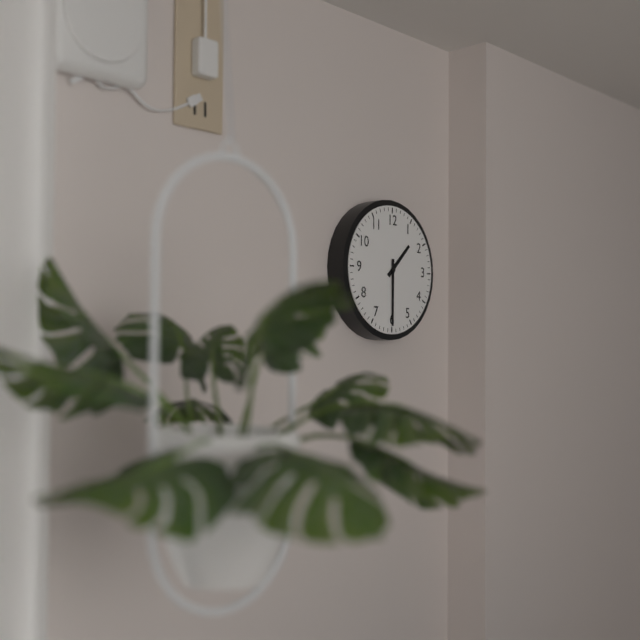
h=1 m=30
